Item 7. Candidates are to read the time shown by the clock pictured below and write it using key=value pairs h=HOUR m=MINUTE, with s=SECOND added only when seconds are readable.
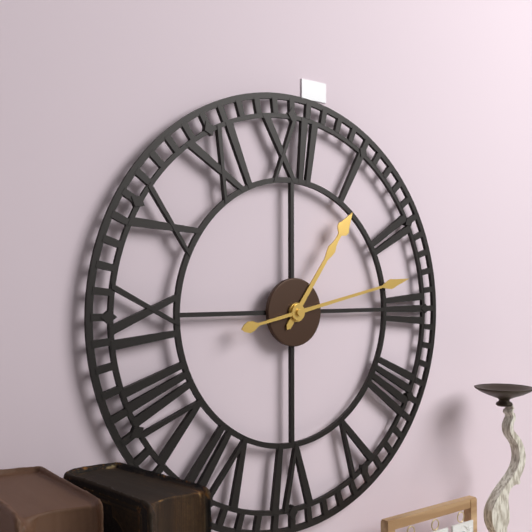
h=1 m=13
